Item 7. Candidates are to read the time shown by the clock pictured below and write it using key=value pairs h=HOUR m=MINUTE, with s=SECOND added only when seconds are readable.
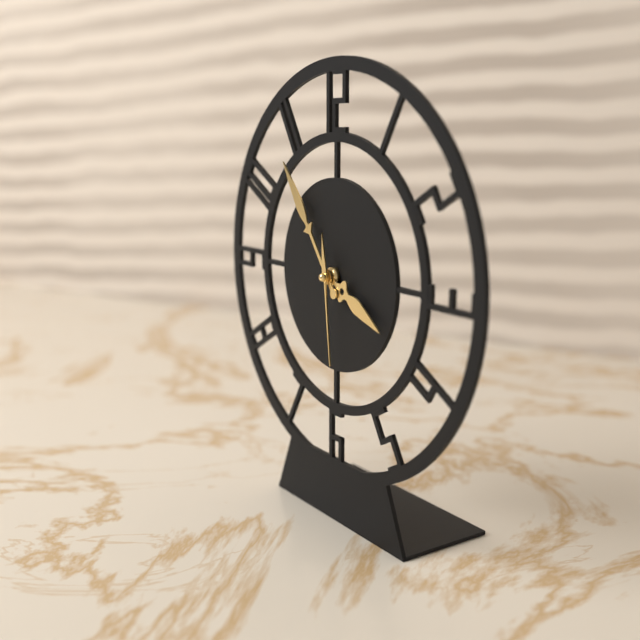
h=3 m=54 s=29
